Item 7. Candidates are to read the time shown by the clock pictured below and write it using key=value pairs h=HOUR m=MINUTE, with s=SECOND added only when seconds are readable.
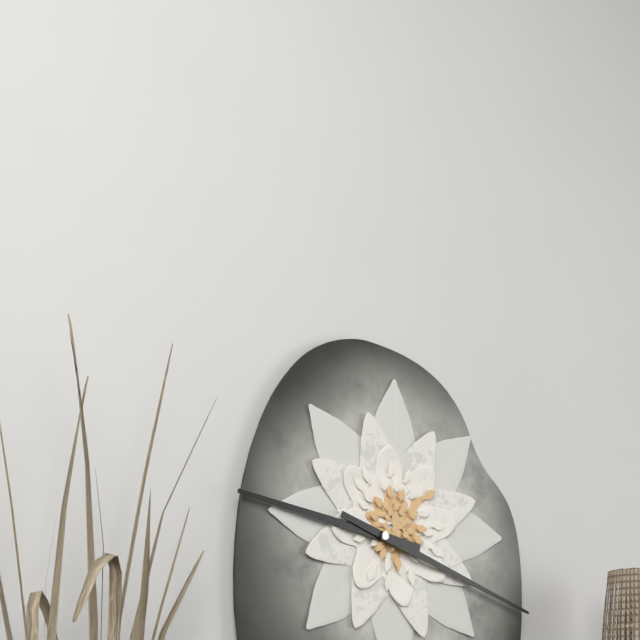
h=9 m=18
